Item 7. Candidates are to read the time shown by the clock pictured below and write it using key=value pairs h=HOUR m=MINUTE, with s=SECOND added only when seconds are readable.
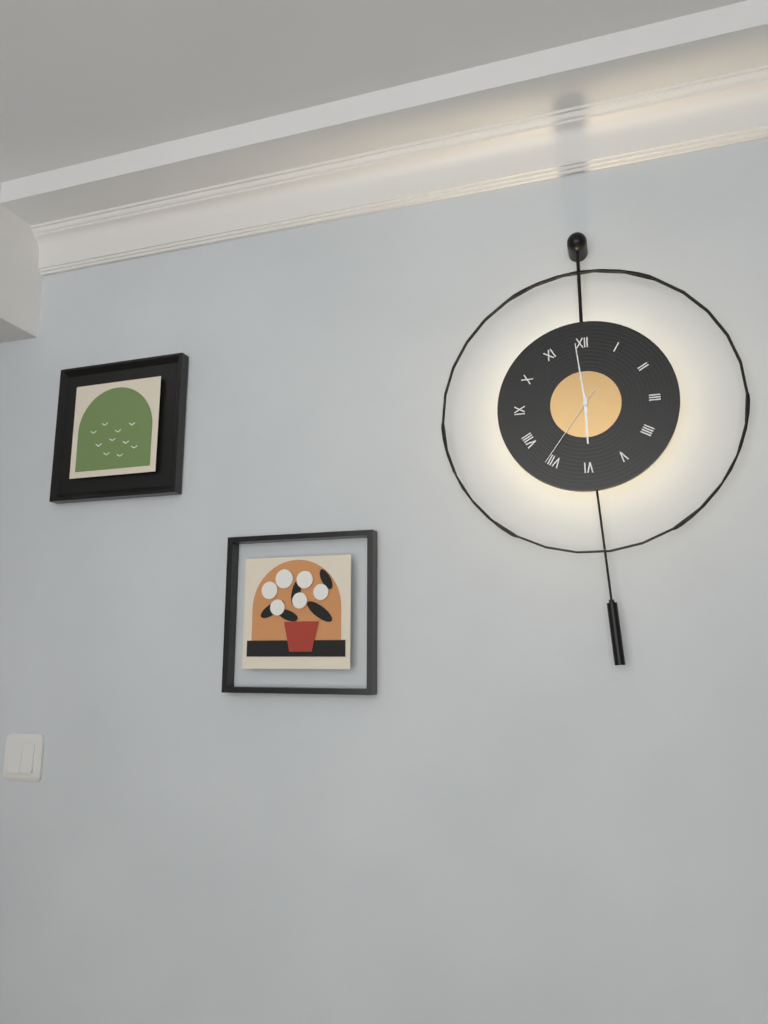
h=5 m=59 s=36
